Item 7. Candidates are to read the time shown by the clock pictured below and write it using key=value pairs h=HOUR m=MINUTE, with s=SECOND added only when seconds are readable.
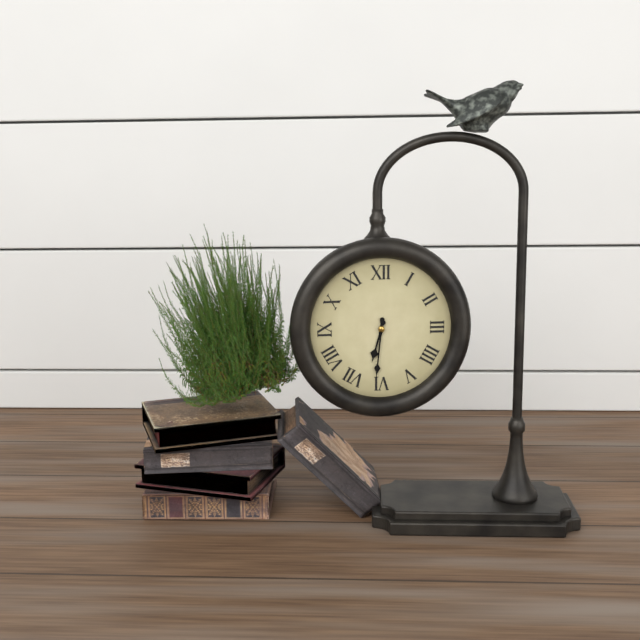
h=6 m=31
